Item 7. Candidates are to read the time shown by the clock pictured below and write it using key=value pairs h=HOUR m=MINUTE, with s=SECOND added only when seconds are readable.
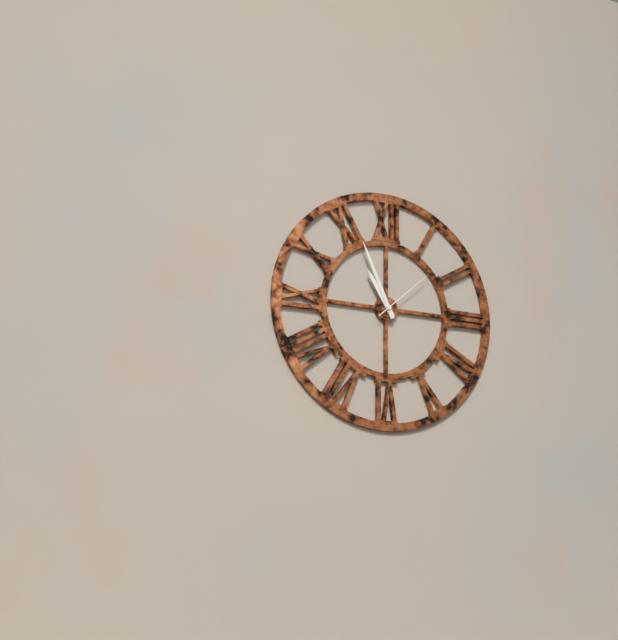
h=10 m=56 s=8
